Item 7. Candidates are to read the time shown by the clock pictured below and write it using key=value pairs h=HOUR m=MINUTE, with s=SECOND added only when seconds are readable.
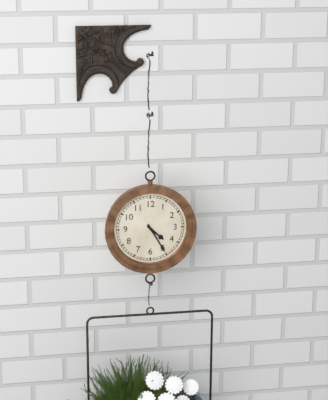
h=4 m=25
